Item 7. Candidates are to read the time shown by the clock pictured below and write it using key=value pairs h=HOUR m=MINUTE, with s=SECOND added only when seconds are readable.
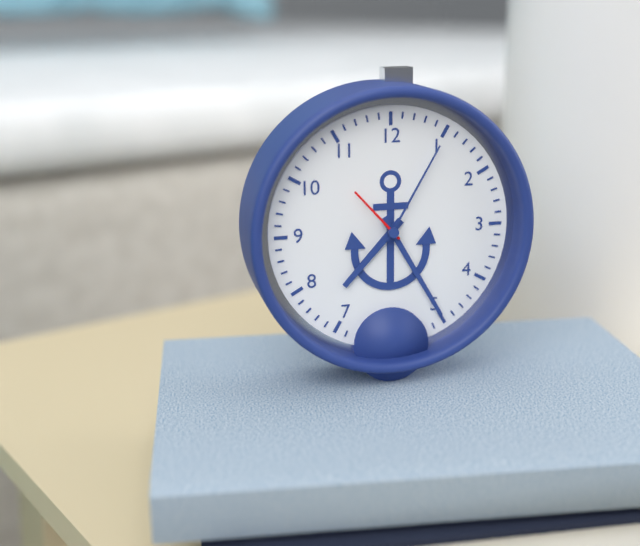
h=7 m=25 s=53
